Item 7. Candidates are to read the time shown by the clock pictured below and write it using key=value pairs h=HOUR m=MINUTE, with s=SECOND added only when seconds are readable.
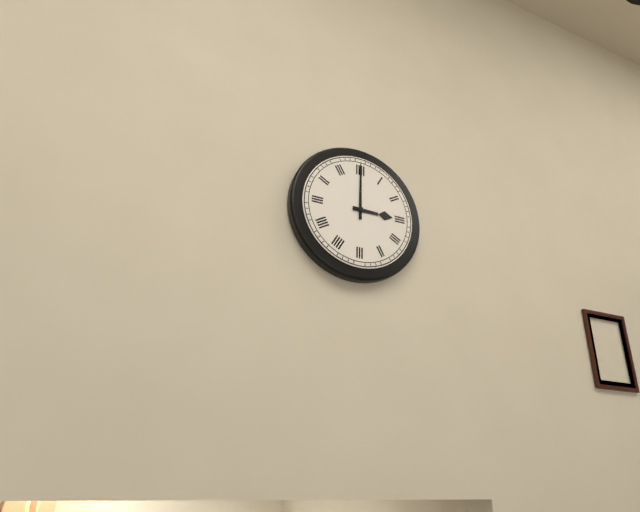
h=3 m=0
